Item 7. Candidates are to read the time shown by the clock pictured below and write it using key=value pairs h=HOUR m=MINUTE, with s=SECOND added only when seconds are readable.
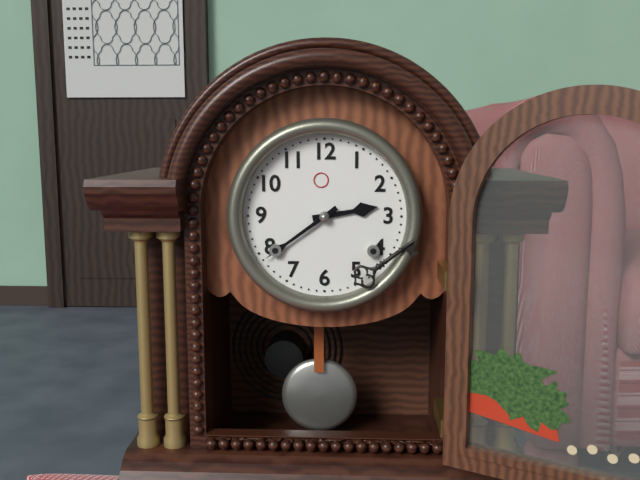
h=2 m=39
